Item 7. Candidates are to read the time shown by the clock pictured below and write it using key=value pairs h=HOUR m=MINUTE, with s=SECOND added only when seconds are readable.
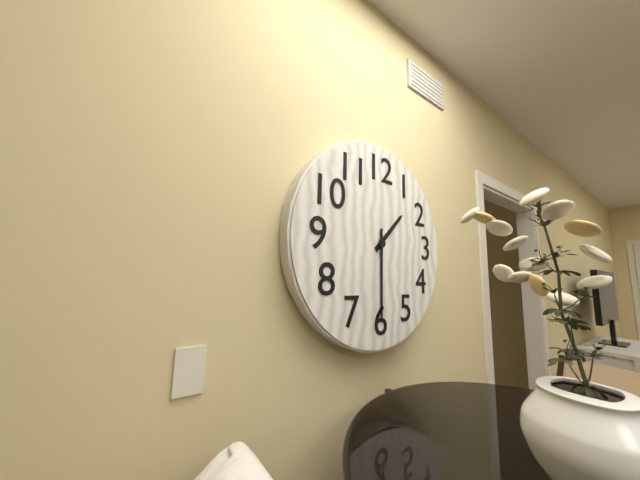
h=1 m=30
